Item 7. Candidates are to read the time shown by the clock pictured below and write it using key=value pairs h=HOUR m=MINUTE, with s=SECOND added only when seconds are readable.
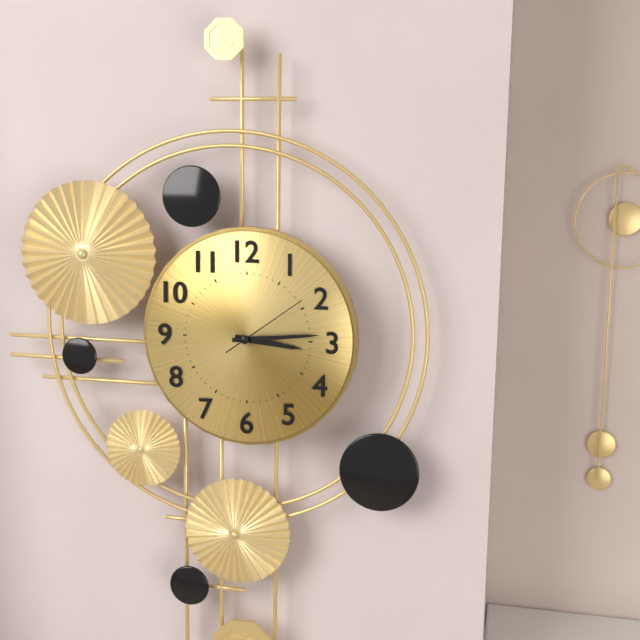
h=3 m=14 s=9
